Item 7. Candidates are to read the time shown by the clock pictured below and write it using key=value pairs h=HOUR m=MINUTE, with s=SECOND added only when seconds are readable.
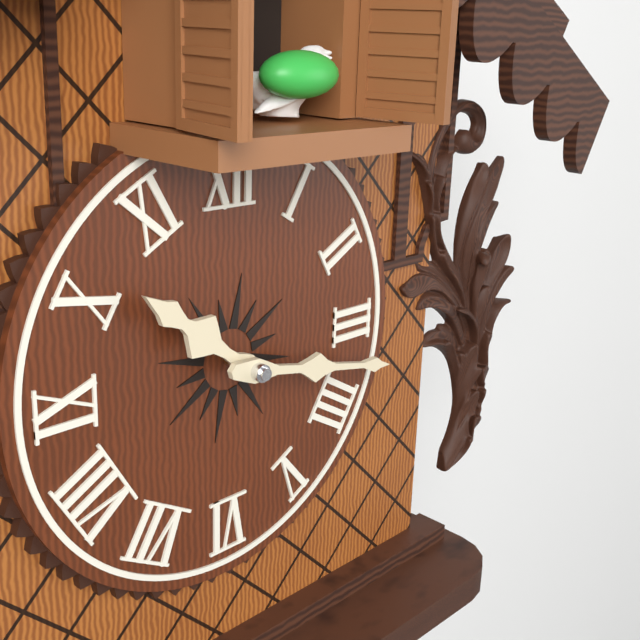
h=10 m=17
